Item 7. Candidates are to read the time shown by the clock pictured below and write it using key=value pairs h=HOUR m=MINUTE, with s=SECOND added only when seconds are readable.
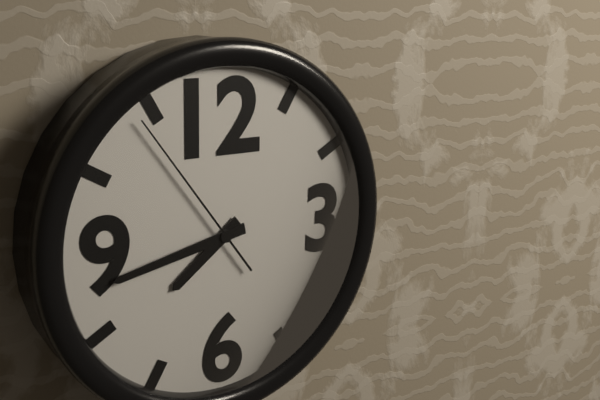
h=7 m=43 s=54
